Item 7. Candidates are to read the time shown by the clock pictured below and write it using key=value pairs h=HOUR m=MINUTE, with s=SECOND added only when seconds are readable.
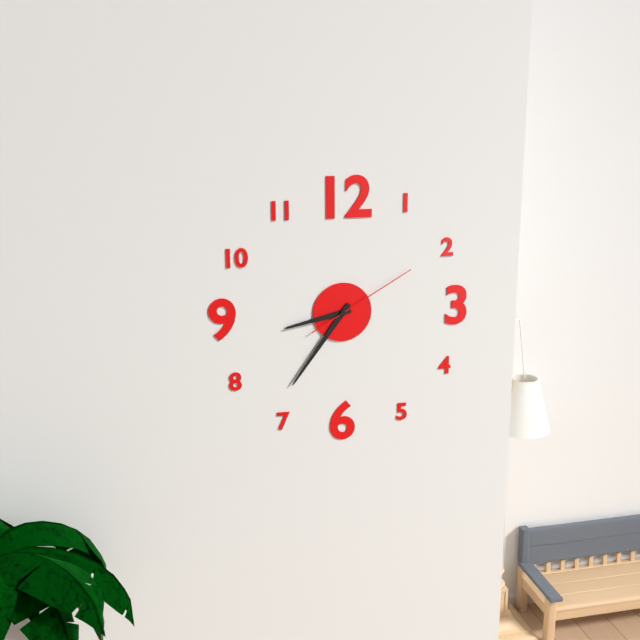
h=8 m=36 s=10
